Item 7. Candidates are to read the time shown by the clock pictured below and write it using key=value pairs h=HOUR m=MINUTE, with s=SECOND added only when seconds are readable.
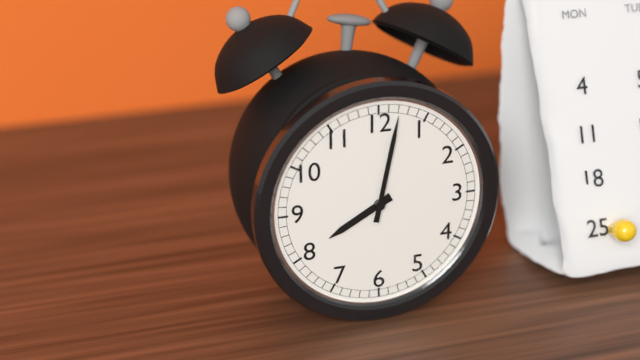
h=8 m=2
